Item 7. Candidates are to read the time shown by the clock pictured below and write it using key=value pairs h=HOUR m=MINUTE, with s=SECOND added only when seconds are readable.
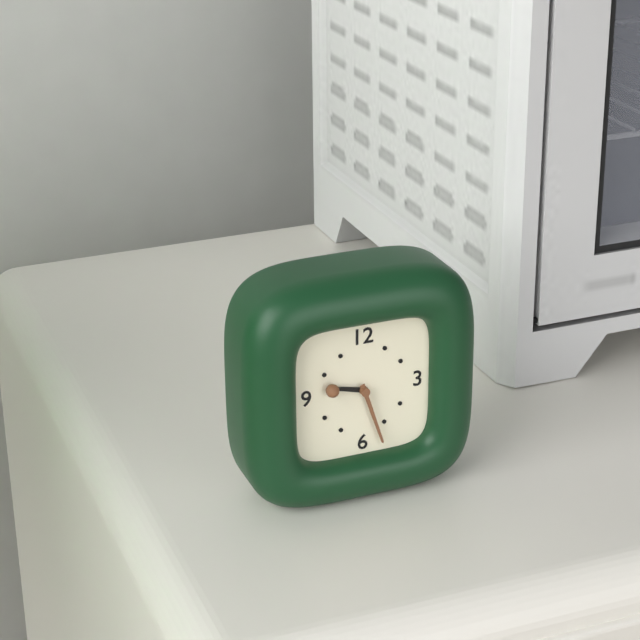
h=9 m=27
